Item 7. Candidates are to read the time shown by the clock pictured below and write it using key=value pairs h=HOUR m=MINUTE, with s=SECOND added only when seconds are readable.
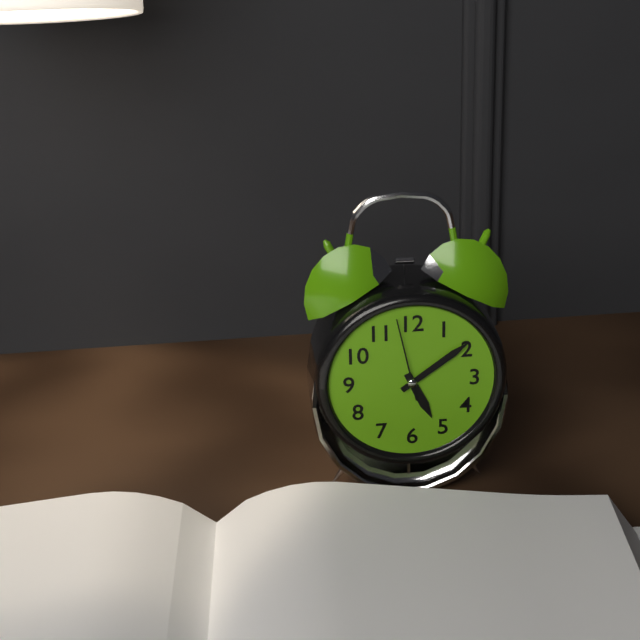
h=5 m=9 s=58
